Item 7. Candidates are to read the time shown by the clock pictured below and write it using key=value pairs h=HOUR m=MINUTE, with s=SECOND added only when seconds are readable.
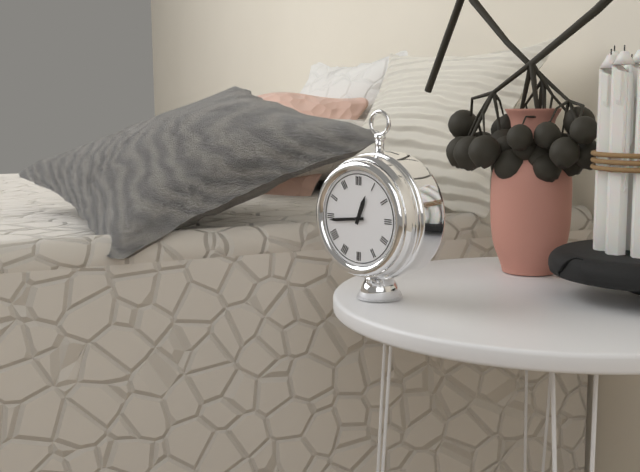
h=12 m=44
